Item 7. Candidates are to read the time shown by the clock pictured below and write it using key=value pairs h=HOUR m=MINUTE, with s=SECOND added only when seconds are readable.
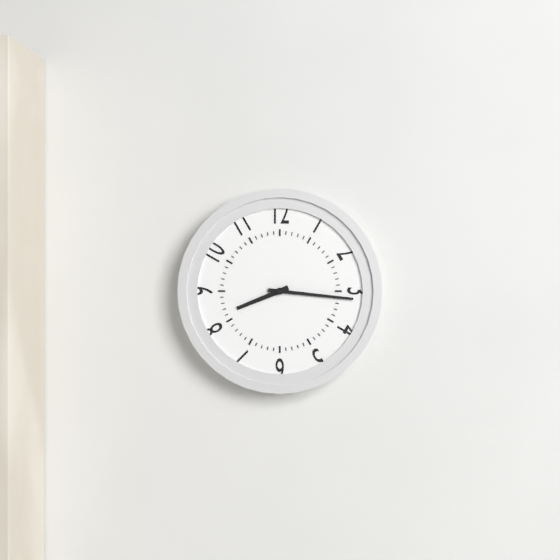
h=8 m=16
